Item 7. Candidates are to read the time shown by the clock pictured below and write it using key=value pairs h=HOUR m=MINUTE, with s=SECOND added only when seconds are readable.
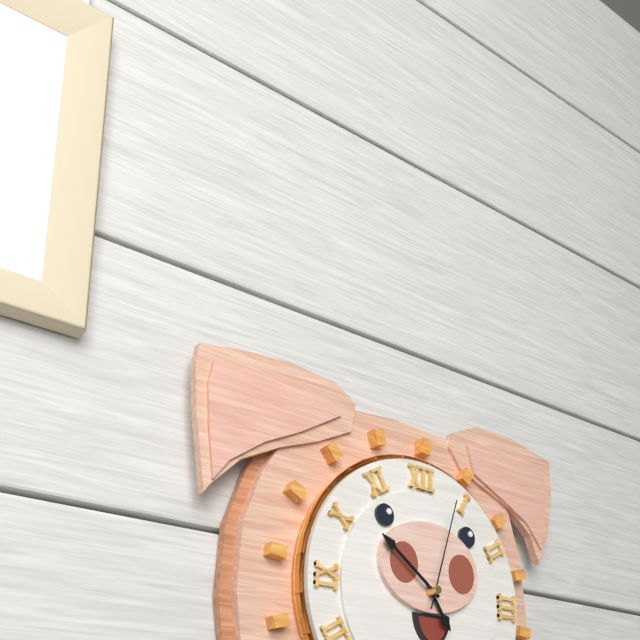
h=4 m=51 s=3
